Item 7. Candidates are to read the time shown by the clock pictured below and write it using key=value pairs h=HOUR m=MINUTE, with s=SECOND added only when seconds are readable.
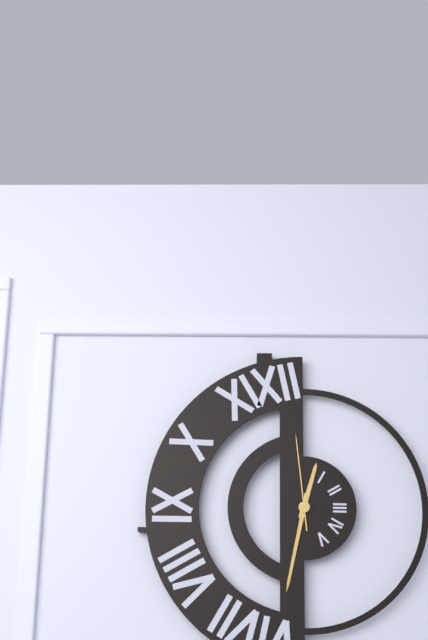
h=12 m=32 s=59
